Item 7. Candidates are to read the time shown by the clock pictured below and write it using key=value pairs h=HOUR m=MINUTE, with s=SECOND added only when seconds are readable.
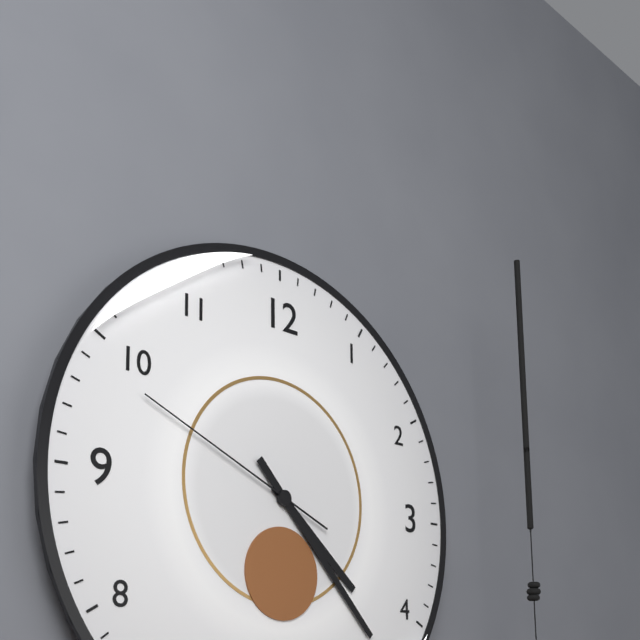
h=4 m=23 s=49
